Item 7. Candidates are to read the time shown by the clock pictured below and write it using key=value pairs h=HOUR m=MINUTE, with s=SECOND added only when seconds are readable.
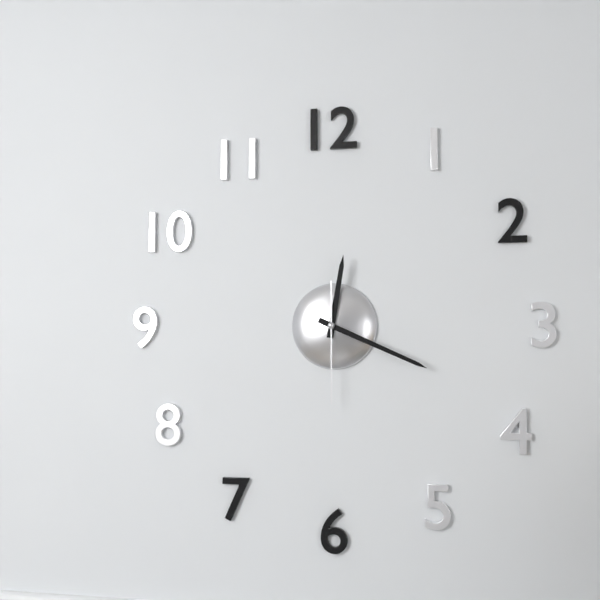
h=12 m=19 s=30
